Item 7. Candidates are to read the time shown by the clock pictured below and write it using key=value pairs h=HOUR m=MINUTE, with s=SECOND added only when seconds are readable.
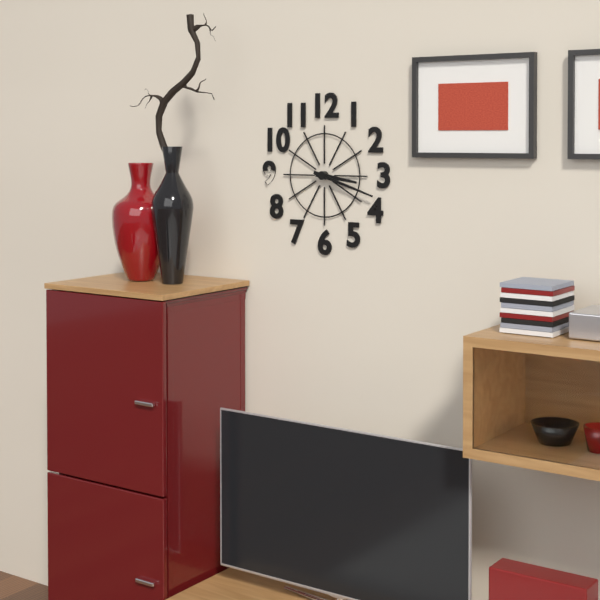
h=3 m=18
